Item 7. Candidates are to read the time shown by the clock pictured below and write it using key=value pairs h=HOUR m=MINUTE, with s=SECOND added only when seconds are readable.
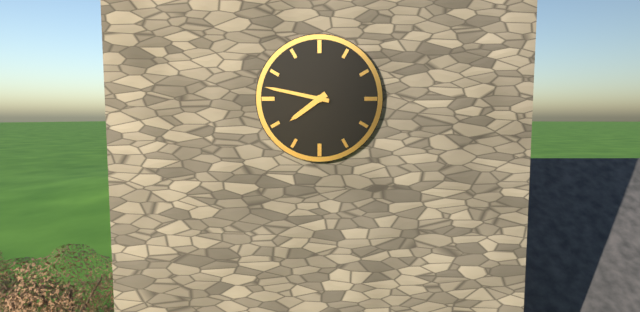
h=7 m=47
